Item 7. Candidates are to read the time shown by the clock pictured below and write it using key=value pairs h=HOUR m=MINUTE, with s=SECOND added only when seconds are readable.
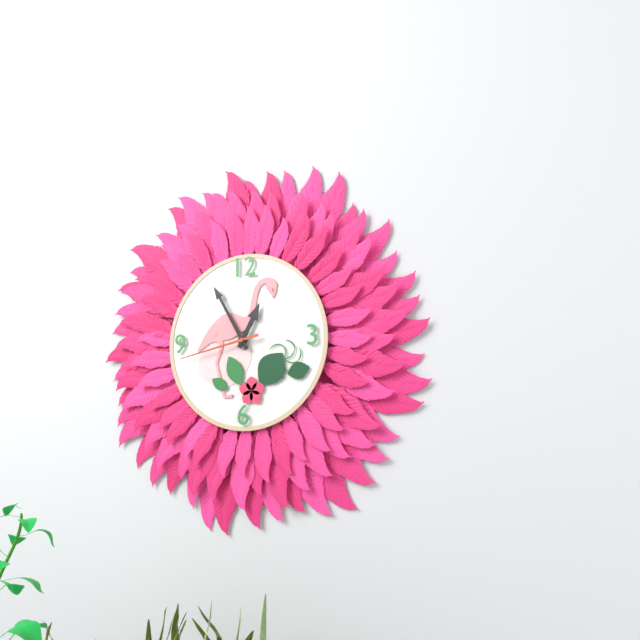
h=12 m=55 s=43
